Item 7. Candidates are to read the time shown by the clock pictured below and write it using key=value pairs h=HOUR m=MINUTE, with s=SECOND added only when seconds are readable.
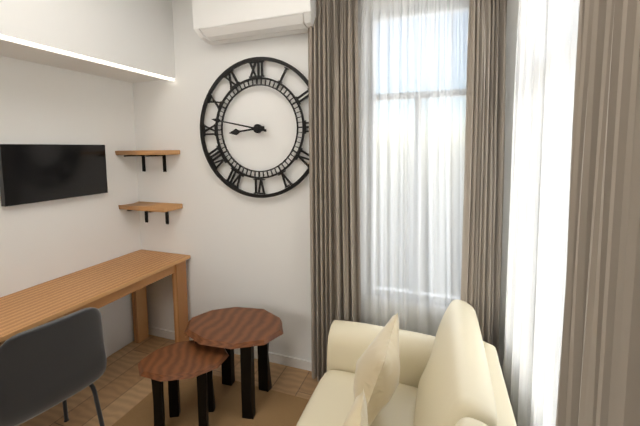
h=8 m=47
